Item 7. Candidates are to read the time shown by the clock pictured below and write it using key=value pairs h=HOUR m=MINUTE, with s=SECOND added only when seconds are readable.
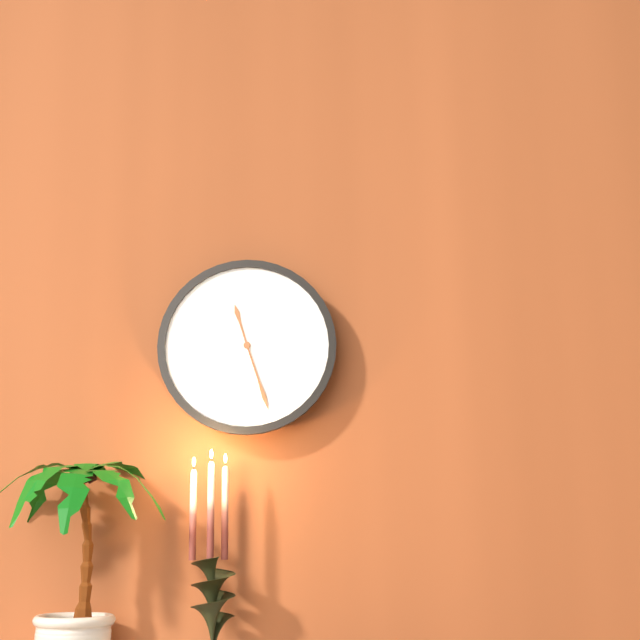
h=11 m=27
